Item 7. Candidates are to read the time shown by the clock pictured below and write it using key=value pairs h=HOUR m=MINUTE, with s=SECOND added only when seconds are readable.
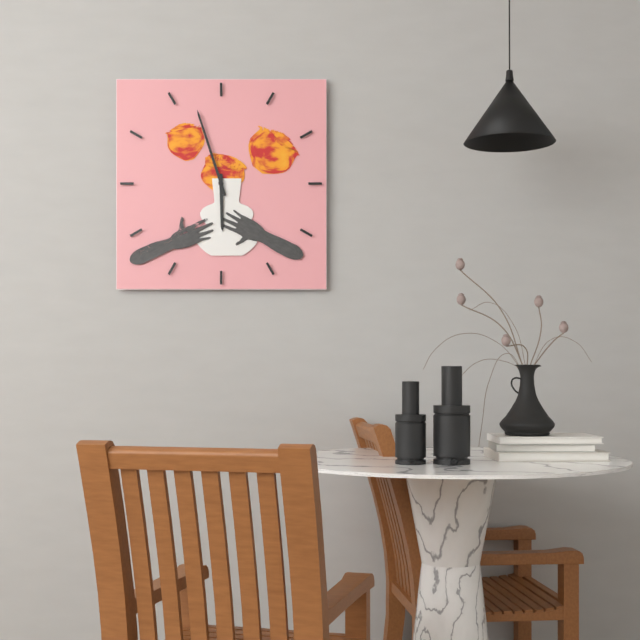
h=5 m=57
